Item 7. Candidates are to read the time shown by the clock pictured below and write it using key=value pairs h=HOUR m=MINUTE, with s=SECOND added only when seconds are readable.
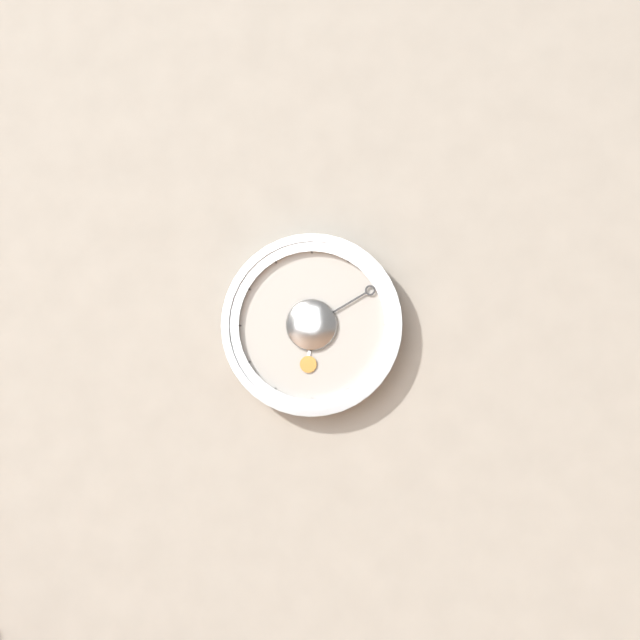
h=6 m=10
